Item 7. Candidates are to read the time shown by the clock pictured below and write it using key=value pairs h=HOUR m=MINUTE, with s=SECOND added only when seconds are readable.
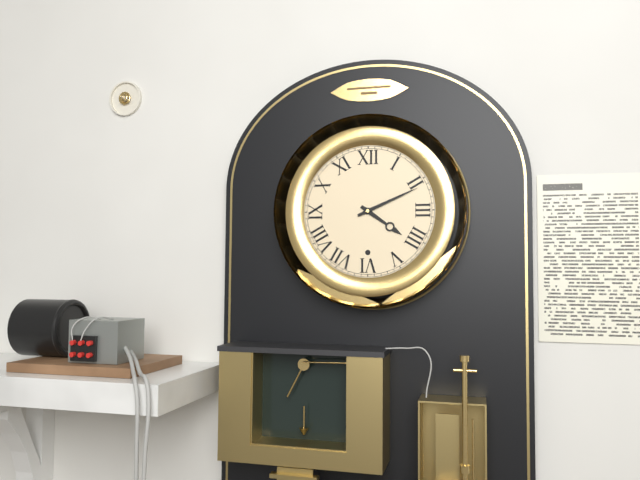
h=4 m=11
